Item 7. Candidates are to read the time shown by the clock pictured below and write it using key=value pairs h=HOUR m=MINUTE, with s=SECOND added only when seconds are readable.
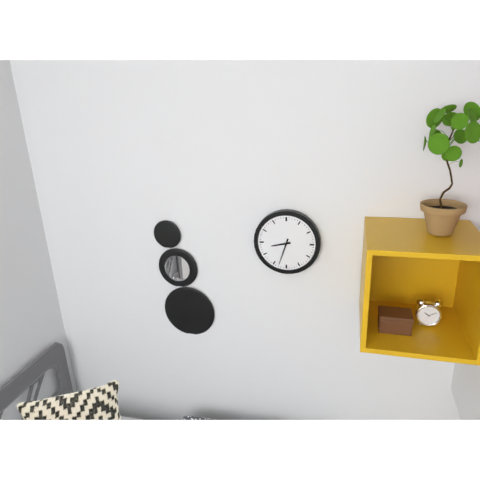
h=8 m=33
